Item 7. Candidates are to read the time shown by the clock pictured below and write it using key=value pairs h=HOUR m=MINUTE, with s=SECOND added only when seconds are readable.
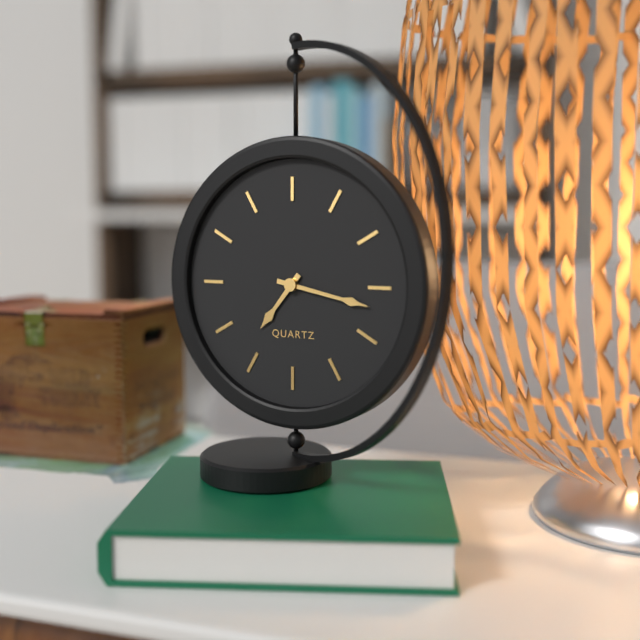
h=7 m=17
